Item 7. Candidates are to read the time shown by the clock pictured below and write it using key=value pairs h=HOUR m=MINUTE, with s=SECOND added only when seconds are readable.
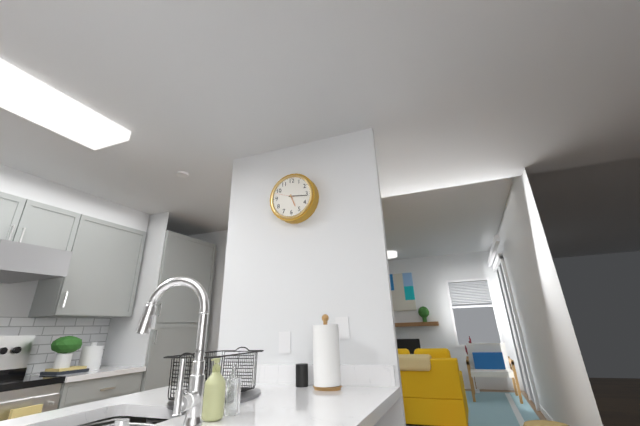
h=5 m=16
